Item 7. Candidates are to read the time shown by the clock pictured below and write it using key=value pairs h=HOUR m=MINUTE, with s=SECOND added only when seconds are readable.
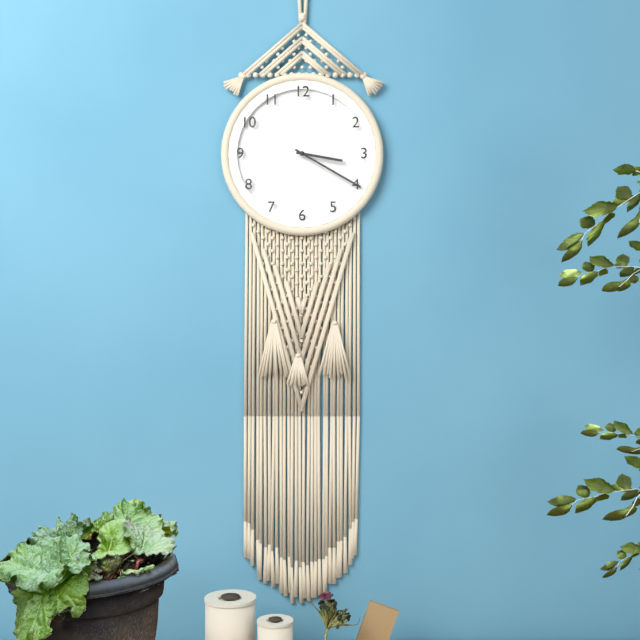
h=3 m=20
